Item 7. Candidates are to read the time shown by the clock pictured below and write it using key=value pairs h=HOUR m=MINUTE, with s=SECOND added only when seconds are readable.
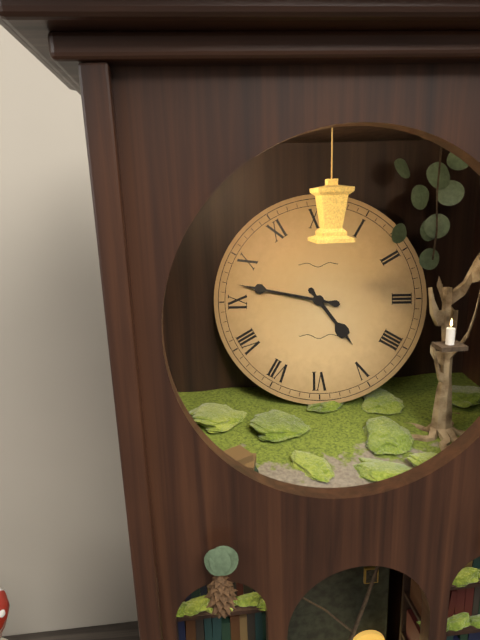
h=4 m=47
